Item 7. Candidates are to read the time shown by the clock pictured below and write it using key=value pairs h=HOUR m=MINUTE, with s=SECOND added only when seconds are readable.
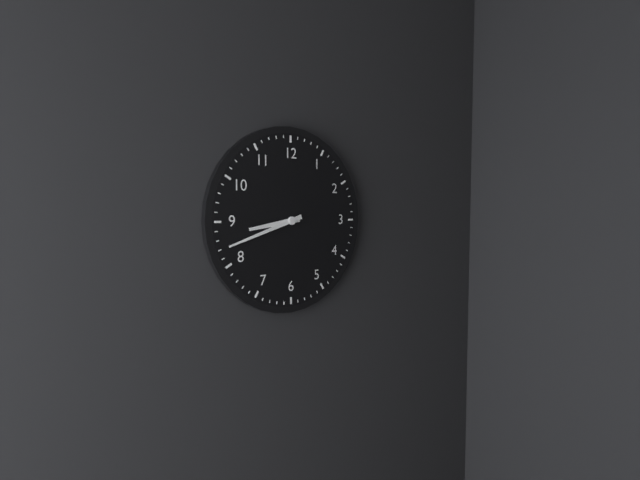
h=8 m=42
